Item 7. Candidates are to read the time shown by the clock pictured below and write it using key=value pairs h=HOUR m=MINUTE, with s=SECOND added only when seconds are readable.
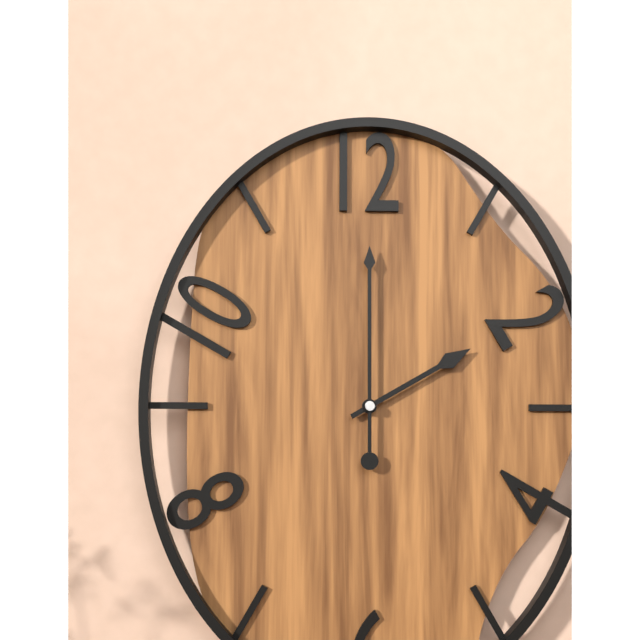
h=2 m=0
